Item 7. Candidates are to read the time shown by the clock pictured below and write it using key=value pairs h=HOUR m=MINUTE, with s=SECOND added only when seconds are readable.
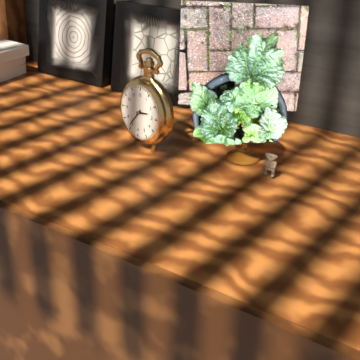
h=2 m=36
